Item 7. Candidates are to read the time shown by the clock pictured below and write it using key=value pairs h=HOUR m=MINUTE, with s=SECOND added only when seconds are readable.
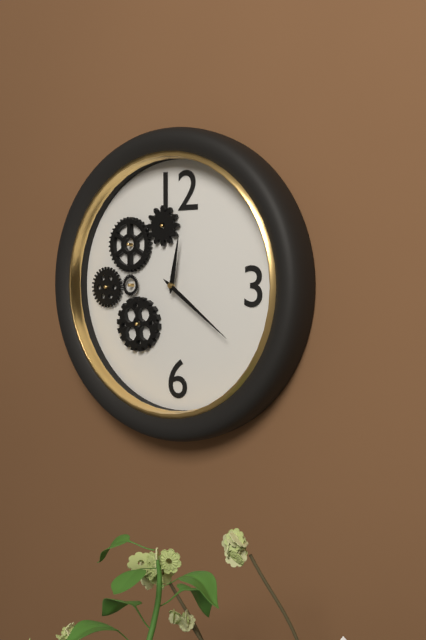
h=12 m=21
